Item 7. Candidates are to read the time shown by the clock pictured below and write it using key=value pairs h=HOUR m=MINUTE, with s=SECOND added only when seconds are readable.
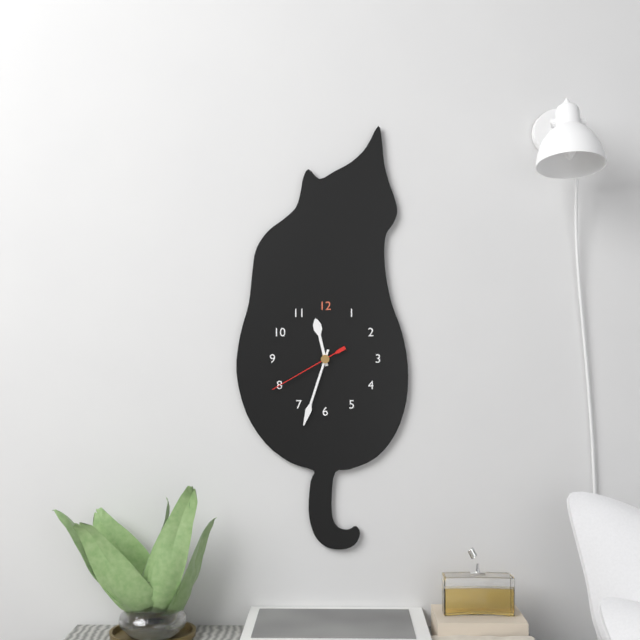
h=11 m=33 s=40
